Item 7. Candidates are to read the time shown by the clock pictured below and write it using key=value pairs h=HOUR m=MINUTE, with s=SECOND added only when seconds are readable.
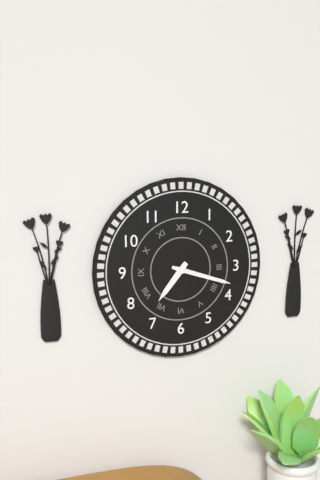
h=7 m=18
